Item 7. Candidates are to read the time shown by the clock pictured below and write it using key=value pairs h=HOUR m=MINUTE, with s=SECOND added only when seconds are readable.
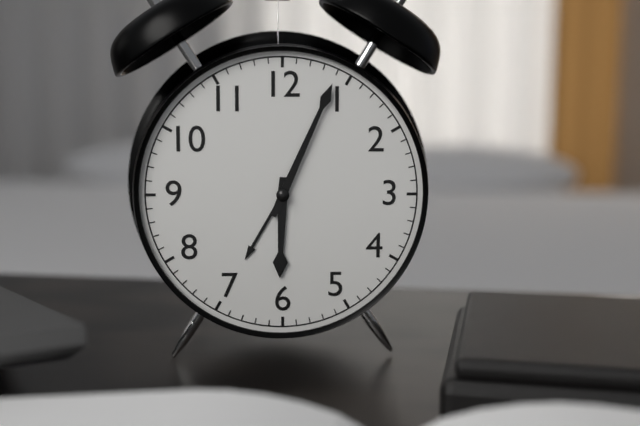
h=6 m=4
